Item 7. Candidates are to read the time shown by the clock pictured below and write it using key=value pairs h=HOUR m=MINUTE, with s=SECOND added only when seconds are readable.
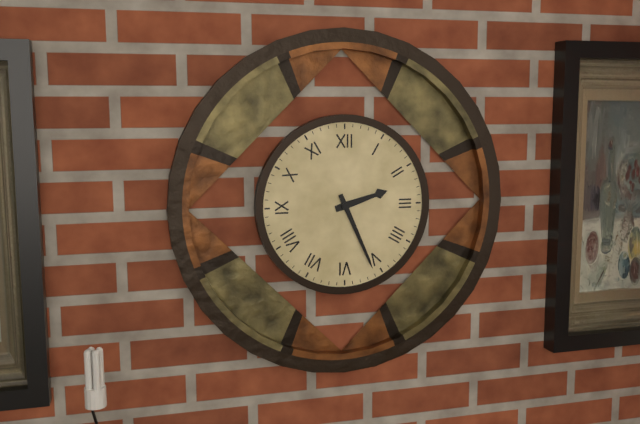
h=2 m=26
